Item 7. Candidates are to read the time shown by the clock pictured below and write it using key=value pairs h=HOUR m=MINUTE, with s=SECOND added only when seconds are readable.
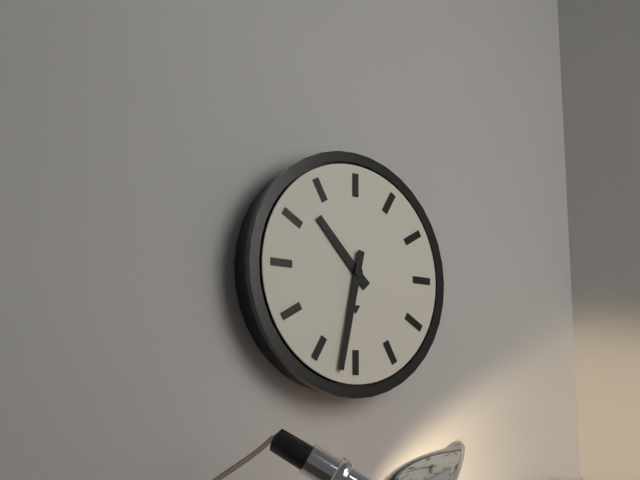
h=10 m=32
